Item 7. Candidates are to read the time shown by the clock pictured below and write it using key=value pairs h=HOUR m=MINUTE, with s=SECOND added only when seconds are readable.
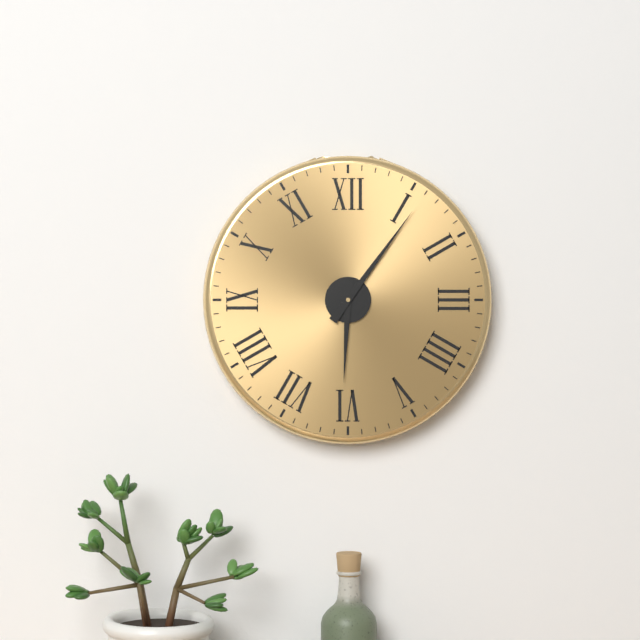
h=6 m=6
